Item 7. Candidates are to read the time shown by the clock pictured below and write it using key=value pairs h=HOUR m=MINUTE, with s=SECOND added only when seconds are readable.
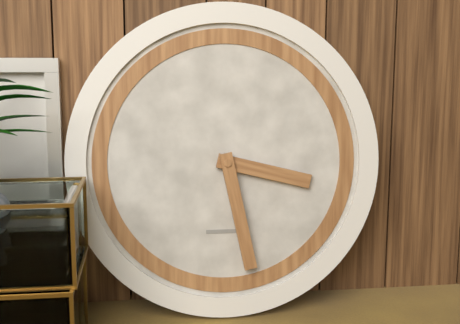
h=3 m=28
